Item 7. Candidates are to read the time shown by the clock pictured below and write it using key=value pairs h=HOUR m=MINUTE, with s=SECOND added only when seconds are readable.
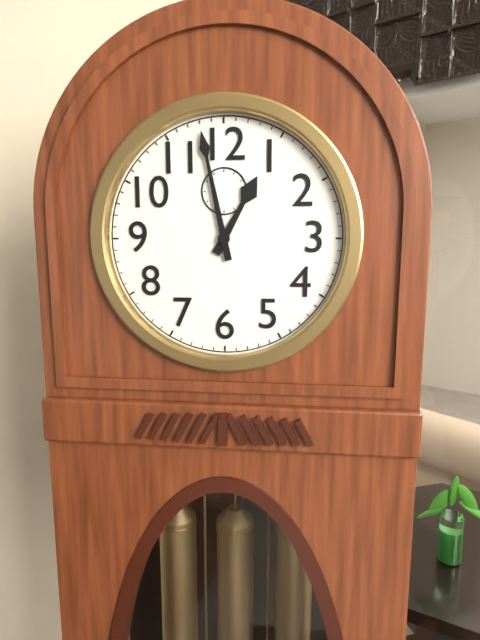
h=12 m=58
